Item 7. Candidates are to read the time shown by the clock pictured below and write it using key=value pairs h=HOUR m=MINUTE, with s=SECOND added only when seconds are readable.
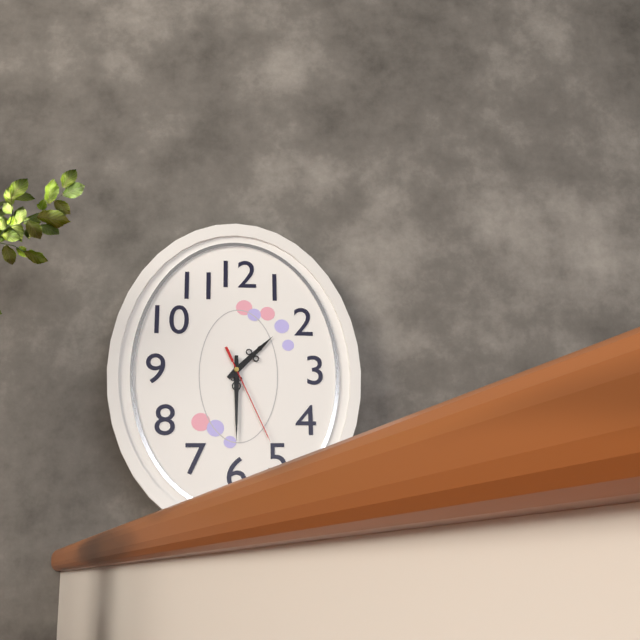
h=1 m=30 s=26
